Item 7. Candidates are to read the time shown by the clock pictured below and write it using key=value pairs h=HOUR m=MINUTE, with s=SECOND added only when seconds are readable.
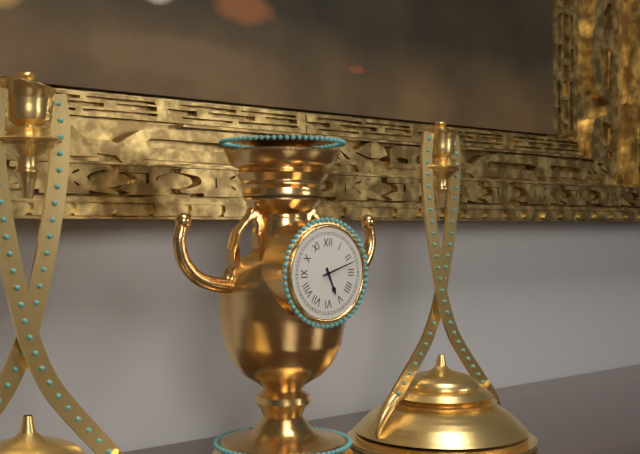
h=5 m=12
